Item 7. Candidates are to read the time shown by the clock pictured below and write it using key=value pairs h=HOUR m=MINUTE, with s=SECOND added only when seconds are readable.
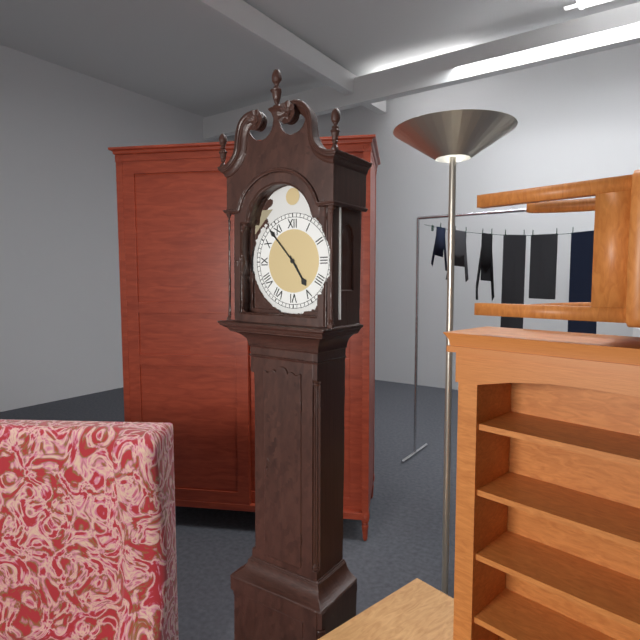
h=4 m=53
